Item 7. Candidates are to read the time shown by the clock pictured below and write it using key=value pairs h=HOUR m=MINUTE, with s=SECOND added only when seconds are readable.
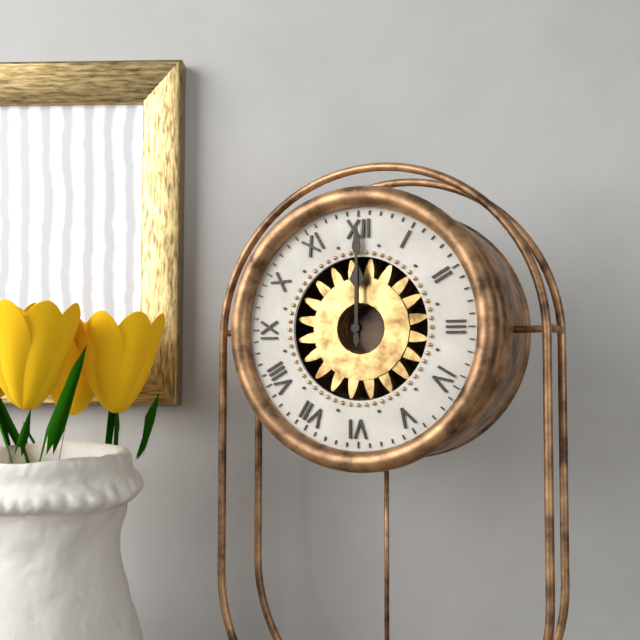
h=12 m=0
